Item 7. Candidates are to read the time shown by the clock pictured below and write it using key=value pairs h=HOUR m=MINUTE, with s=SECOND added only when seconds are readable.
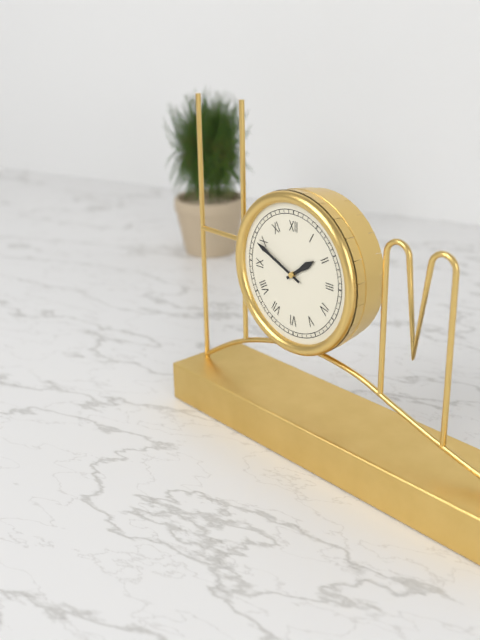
h=1 m=49
